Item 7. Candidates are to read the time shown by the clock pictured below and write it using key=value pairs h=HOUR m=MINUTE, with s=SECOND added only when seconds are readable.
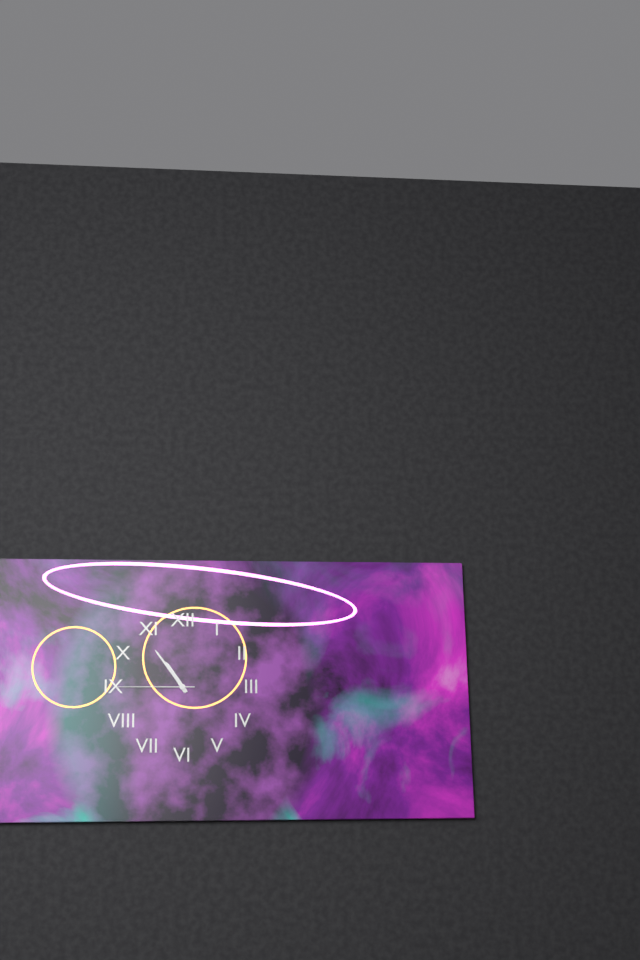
h=10 m=54 s=45
